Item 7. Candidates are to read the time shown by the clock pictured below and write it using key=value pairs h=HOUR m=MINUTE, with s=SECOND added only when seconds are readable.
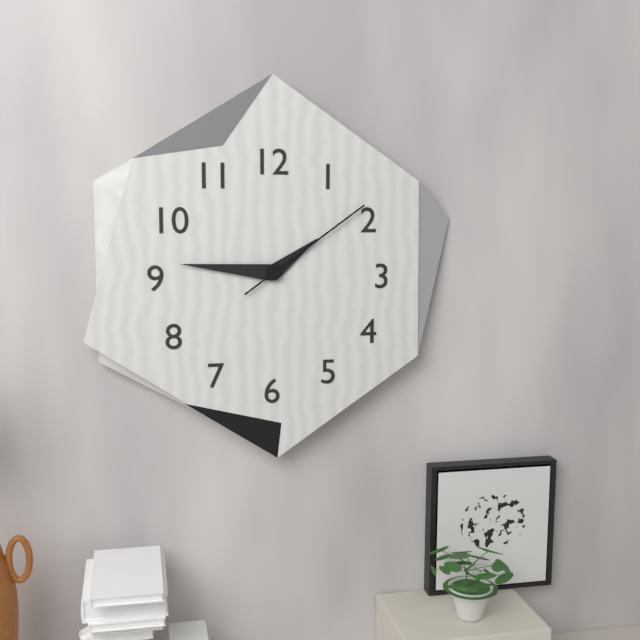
h=1 m=46 s=9
